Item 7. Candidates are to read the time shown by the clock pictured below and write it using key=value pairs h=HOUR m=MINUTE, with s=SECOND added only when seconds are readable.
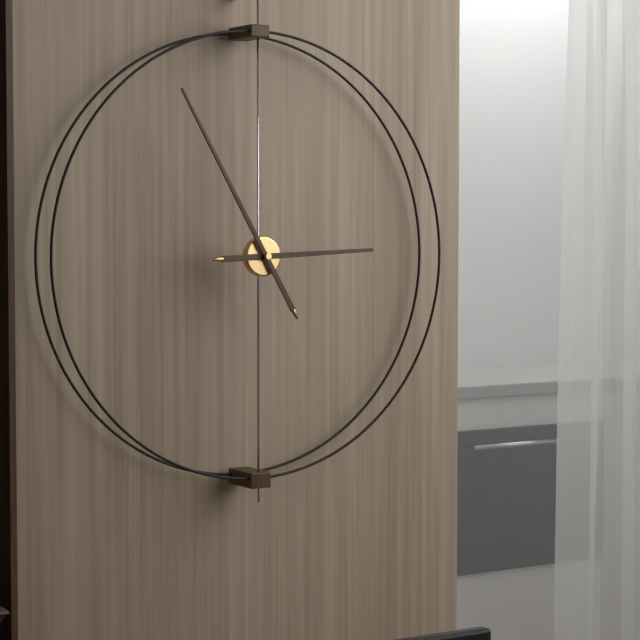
h=2 m=55
